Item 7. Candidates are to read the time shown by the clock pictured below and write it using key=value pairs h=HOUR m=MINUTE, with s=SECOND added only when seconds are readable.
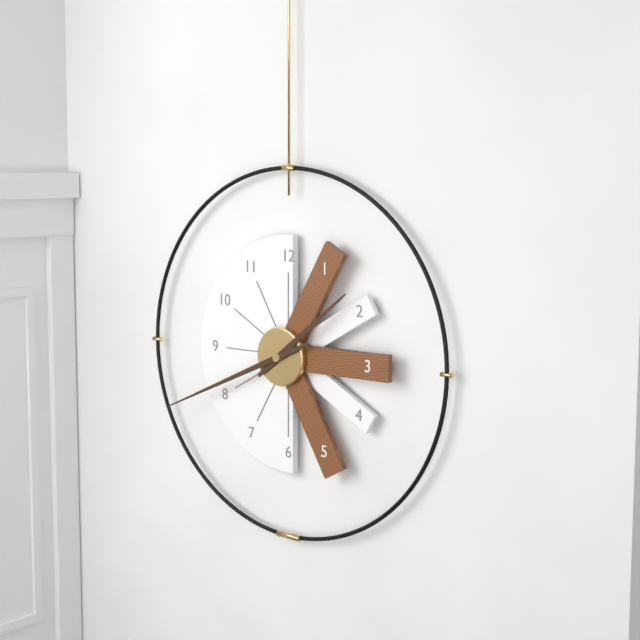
h=1 m=41
